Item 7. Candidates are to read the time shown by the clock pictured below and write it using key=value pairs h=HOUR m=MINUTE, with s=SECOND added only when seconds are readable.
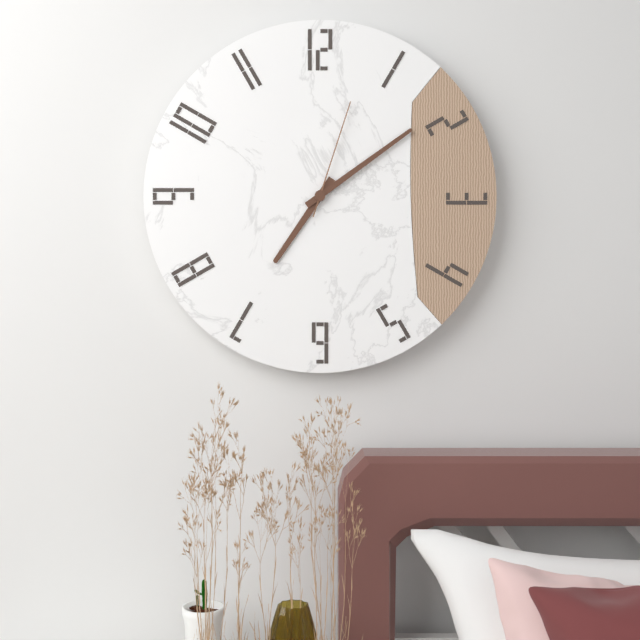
h=7 m=9 s=3
